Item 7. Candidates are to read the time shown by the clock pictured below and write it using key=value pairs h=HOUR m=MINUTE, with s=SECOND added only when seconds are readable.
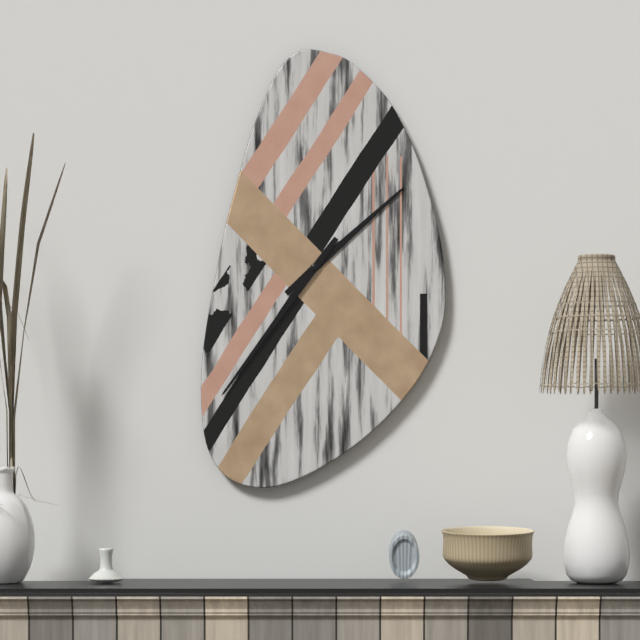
h=1 m=36
